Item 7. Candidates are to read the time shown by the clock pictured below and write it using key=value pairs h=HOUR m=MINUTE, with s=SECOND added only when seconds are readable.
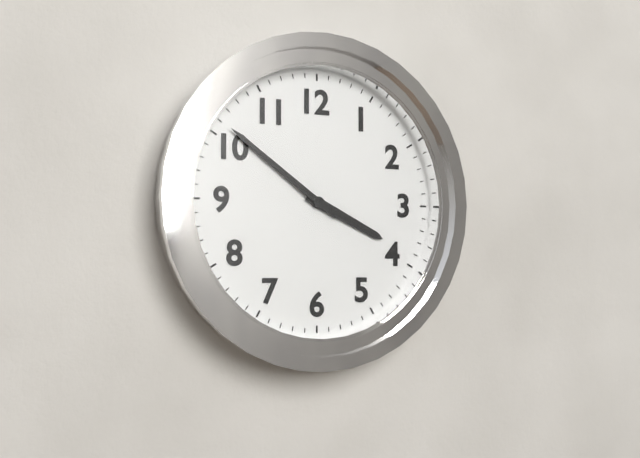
h=3 m=51
